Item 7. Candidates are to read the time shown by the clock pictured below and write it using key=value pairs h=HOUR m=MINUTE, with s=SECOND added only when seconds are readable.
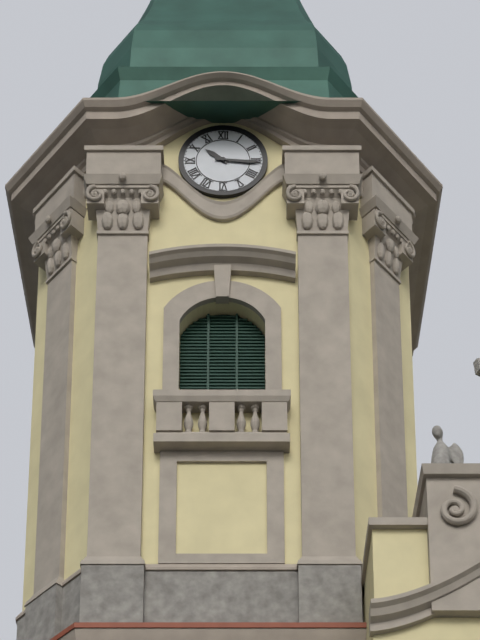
h=10 m=16
